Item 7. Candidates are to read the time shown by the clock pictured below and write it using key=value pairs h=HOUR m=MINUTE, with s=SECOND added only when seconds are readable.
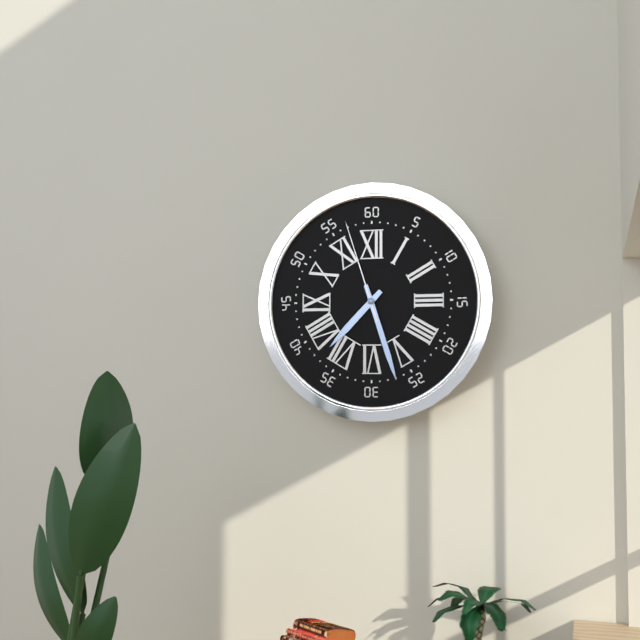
h=7 m=27 s=57
